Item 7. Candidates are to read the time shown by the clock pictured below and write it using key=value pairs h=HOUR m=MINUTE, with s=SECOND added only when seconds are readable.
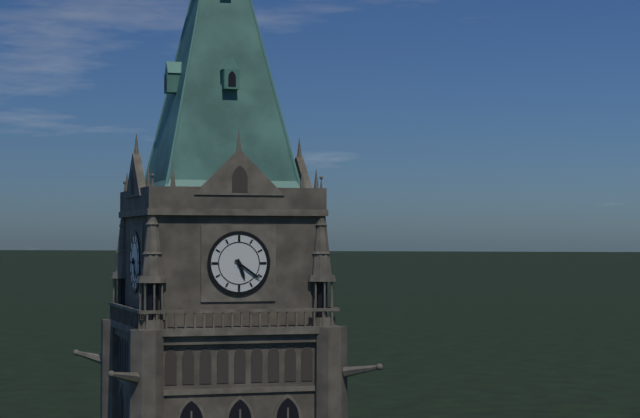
h=5 m=21
